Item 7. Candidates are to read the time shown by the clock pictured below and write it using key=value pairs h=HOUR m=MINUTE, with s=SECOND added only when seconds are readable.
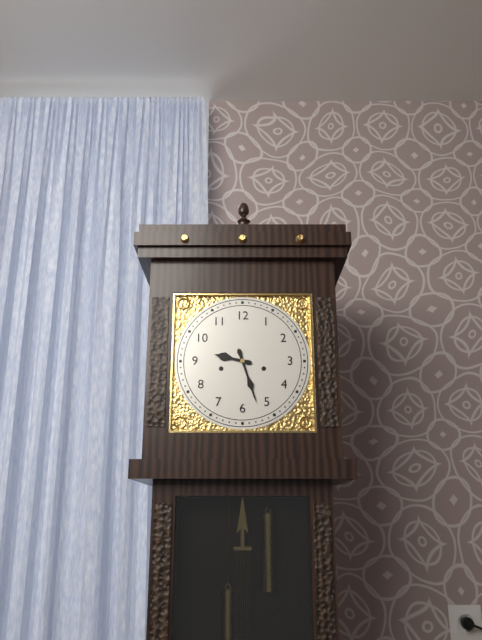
h=9 m=27
